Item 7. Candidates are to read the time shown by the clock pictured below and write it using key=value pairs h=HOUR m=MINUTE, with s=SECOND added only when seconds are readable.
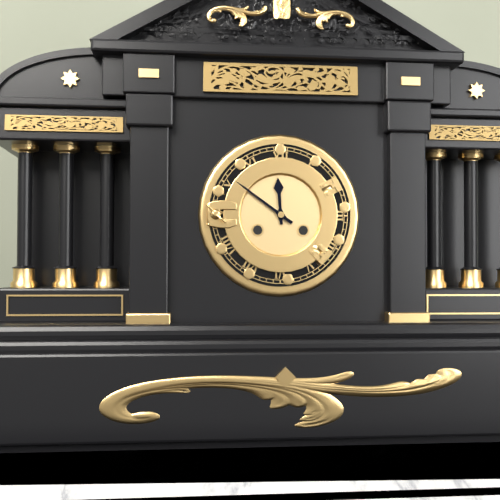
h=11 m=51
